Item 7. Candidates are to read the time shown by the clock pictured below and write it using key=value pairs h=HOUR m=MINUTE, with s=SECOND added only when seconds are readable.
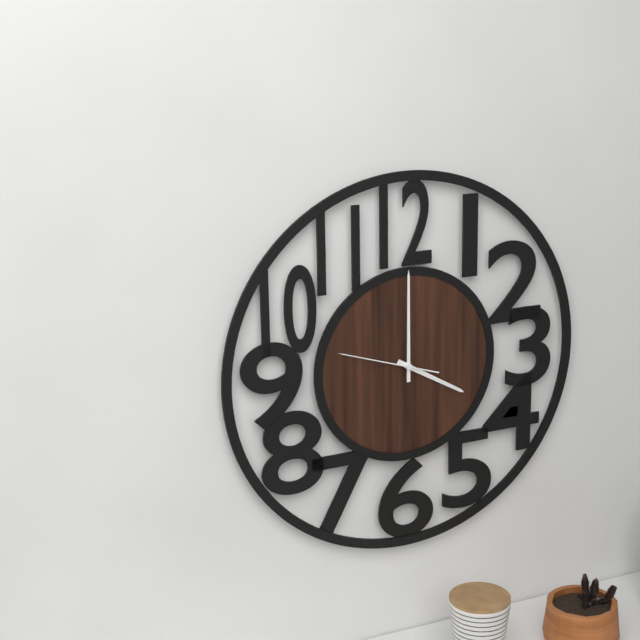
h=4 m=0 s=48
